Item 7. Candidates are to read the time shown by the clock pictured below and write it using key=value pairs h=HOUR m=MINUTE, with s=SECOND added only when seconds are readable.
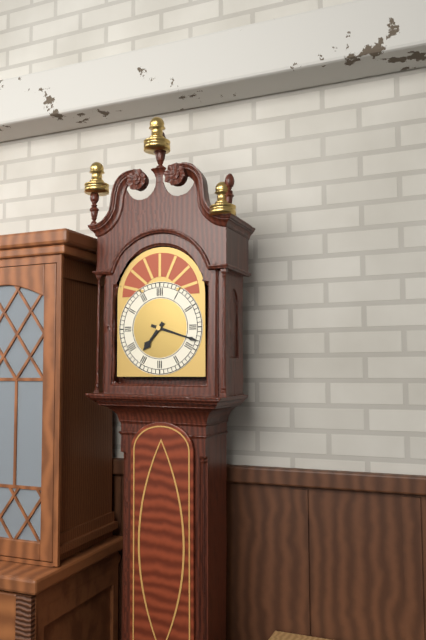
h=7 m=18
